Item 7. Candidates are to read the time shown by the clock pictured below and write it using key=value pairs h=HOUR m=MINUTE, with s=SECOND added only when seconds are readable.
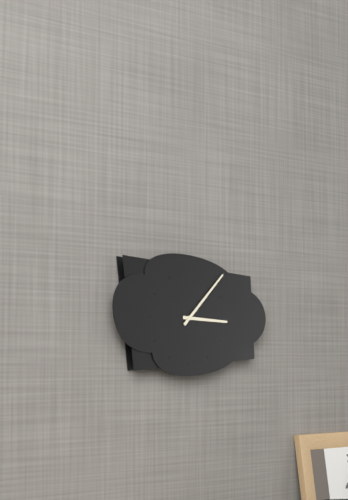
h=3 m=7
